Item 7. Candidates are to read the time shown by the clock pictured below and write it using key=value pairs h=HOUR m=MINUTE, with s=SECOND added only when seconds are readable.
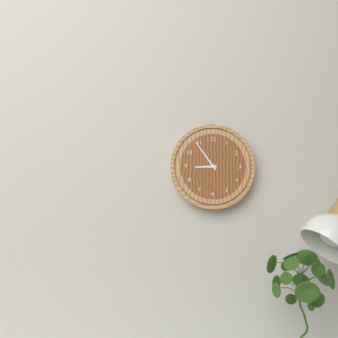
h=8 m=54
